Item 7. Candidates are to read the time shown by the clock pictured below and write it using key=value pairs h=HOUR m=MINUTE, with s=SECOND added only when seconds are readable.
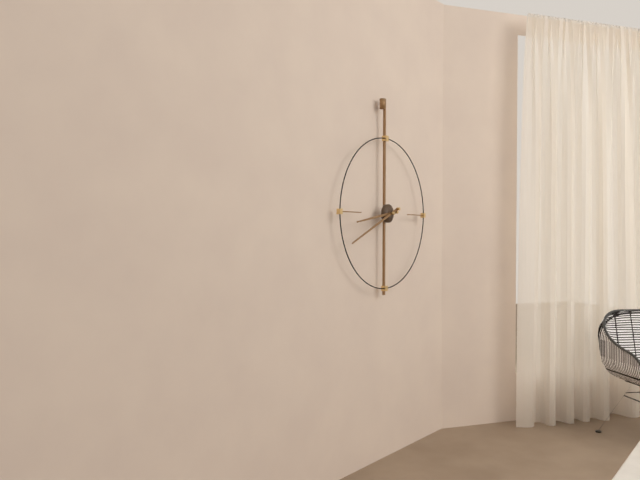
h=8 m=41
